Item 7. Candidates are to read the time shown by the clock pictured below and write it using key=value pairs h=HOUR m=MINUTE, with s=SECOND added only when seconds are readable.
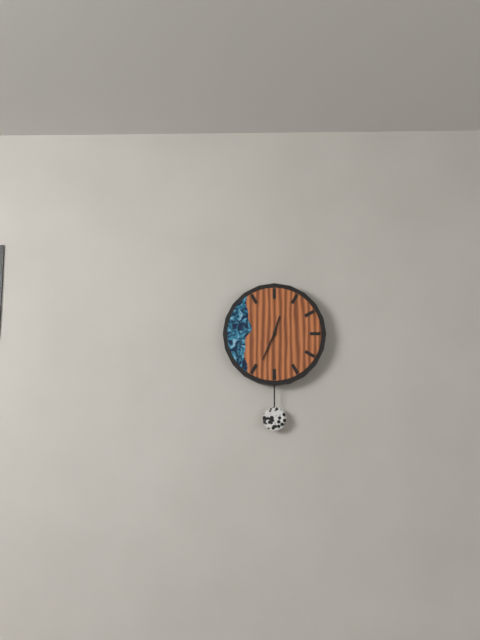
h=12 m=34
